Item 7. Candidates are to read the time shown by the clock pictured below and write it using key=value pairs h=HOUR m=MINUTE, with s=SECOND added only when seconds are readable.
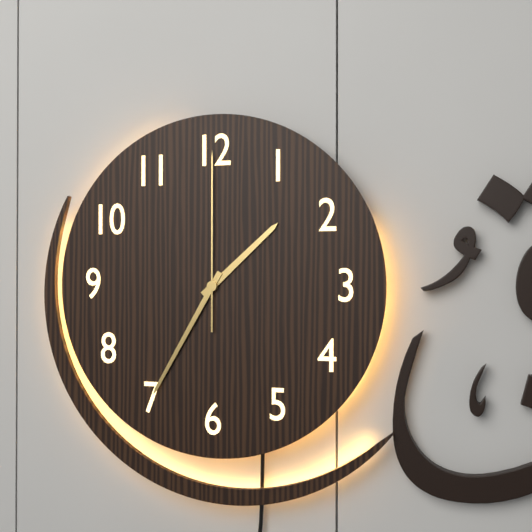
h=1 m=35 s=0
